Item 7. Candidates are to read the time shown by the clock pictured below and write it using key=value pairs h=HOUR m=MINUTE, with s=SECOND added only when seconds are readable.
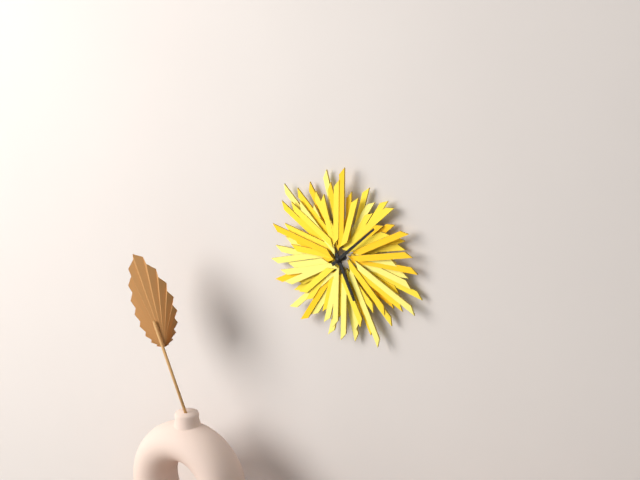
h=5 m=8
